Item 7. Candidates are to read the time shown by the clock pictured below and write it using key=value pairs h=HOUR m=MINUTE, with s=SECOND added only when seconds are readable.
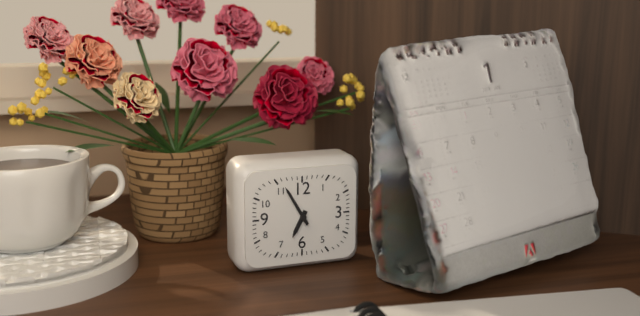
h=6 m=55
